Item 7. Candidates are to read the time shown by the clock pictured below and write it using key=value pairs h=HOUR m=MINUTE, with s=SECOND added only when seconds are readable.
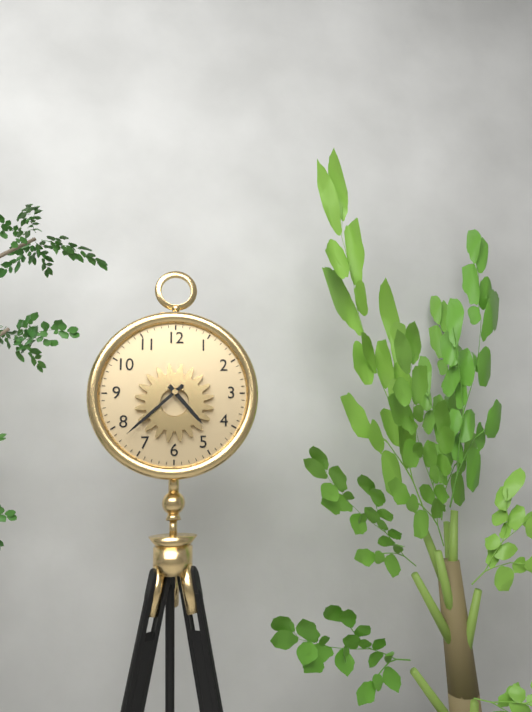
h=4 m=38
